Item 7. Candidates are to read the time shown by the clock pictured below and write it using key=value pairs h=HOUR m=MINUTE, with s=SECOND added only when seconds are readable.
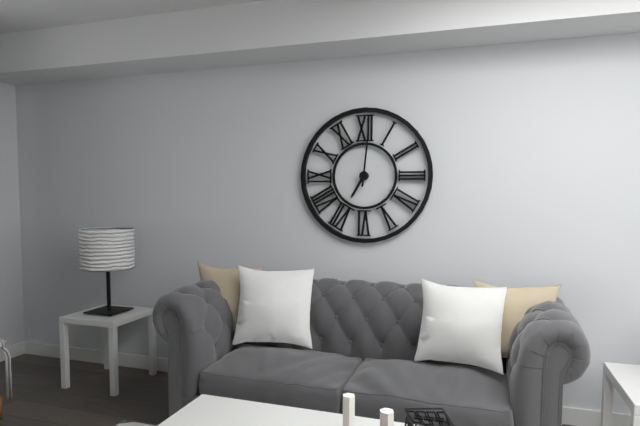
h=7 m=1
